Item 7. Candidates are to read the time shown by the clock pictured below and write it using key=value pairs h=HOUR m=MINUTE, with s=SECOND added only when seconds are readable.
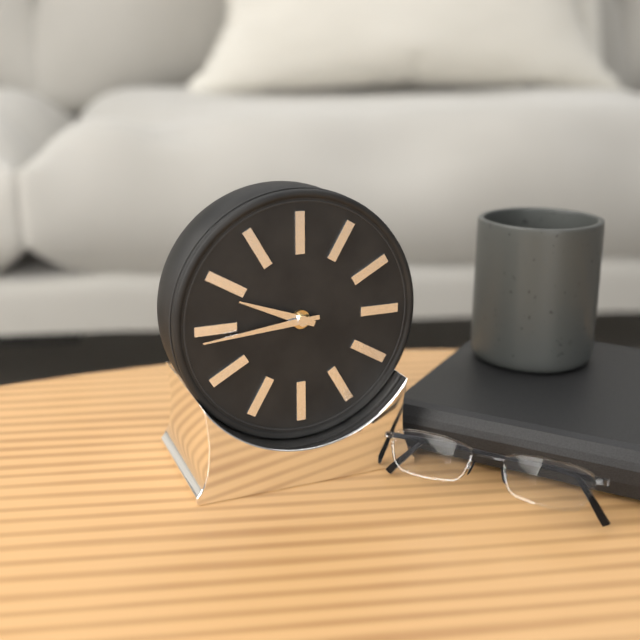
h=9 m=44
